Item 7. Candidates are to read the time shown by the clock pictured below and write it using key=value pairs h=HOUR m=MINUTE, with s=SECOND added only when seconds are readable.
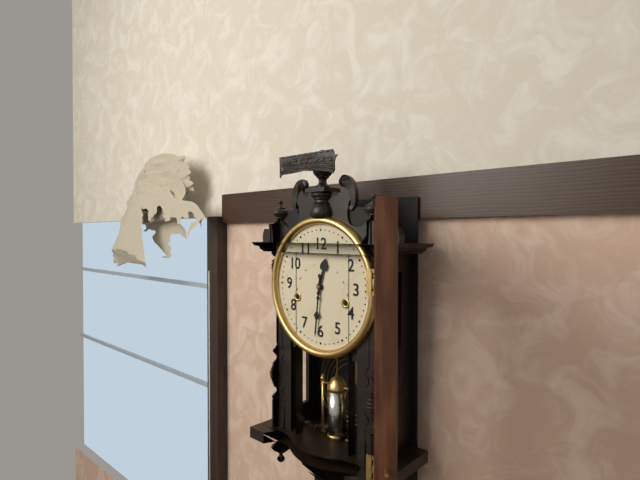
h=12 m=31
